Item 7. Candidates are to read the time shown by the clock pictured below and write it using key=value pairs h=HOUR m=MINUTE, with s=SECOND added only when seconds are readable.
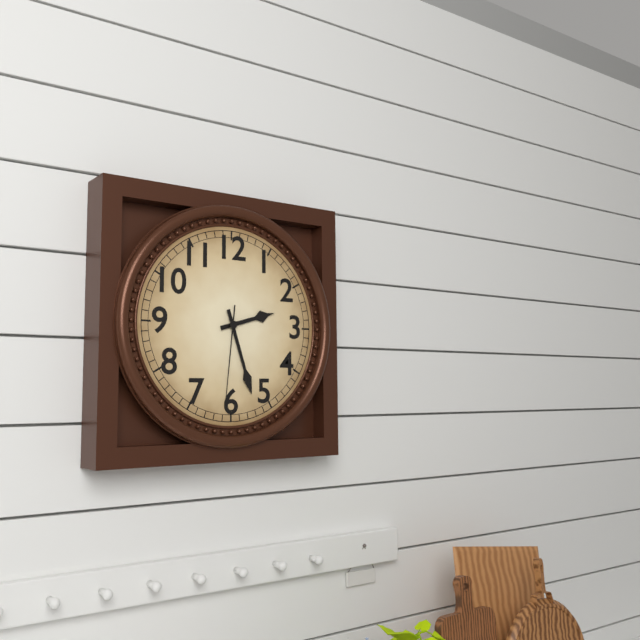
h=2 m=27 s=31
